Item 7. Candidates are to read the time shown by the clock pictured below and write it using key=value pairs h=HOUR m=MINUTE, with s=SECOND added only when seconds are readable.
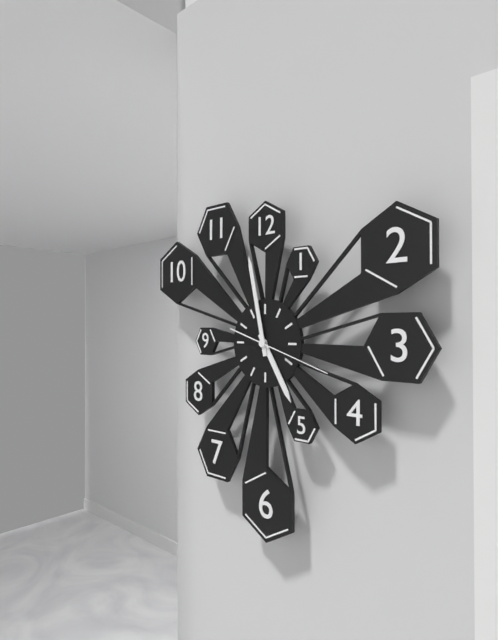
h=4 m=58 s=18
